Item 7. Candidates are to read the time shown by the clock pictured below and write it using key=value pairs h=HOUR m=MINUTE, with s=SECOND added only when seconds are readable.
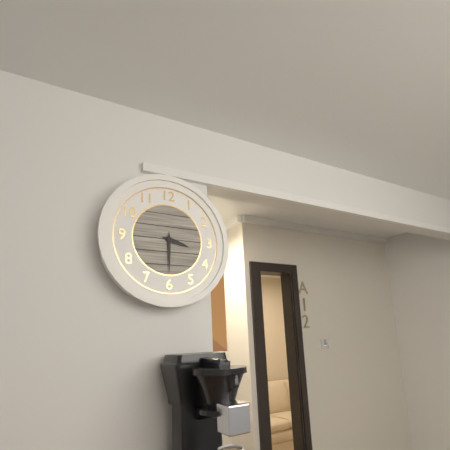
h=3 m=30
